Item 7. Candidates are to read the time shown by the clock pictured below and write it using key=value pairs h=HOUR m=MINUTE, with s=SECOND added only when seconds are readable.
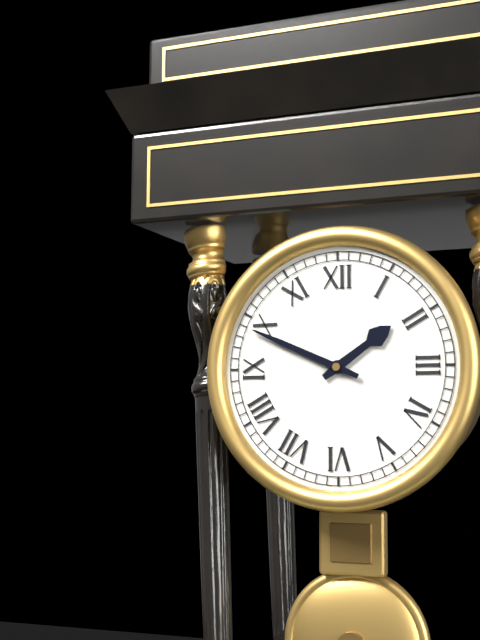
h=1 m=49
